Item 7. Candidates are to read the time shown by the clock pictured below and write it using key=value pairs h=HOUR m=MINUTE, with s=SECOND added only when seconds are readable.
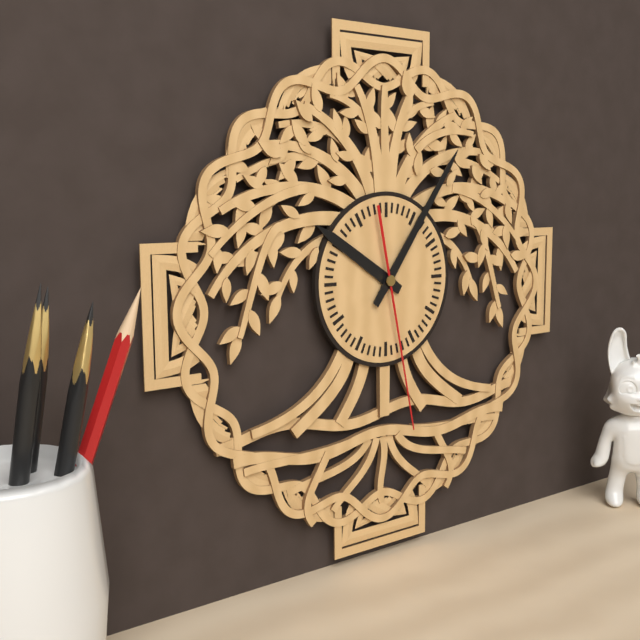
h=10 m=6 s=28
